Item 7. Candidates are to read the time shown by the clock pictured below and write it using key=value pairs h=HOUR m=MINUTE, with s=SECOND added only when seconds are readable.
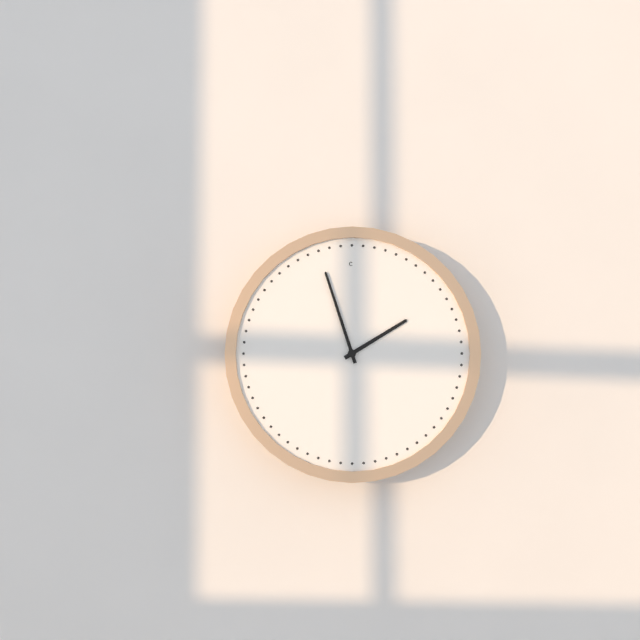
h=1 m=57
